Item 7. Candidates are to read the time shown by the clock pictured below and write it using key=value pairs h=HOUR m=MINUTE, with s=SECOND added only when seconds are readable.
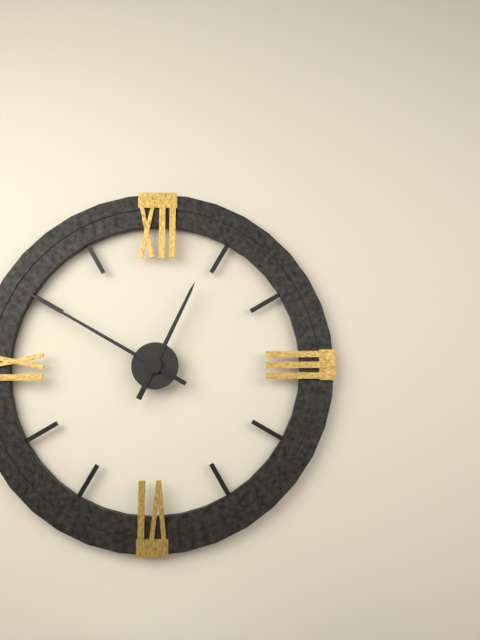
h=12 m=50
